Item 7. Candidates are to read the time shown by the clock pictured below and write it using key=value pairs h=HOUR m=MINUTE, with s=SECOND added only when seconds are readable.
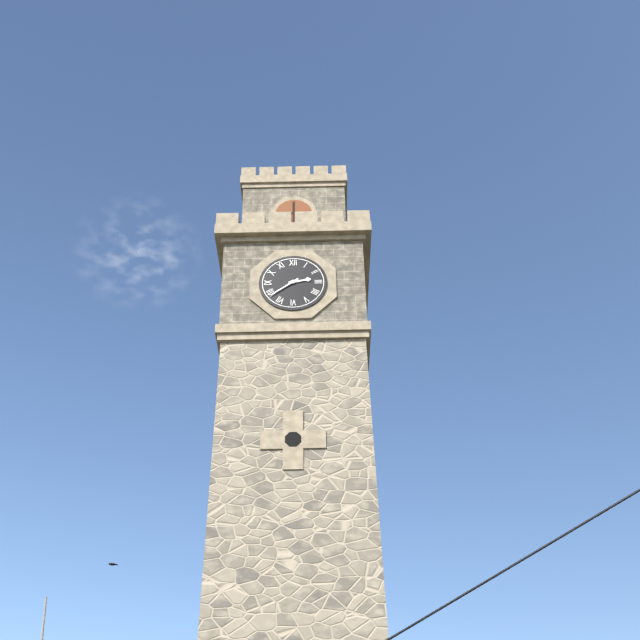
h=2 m=39
